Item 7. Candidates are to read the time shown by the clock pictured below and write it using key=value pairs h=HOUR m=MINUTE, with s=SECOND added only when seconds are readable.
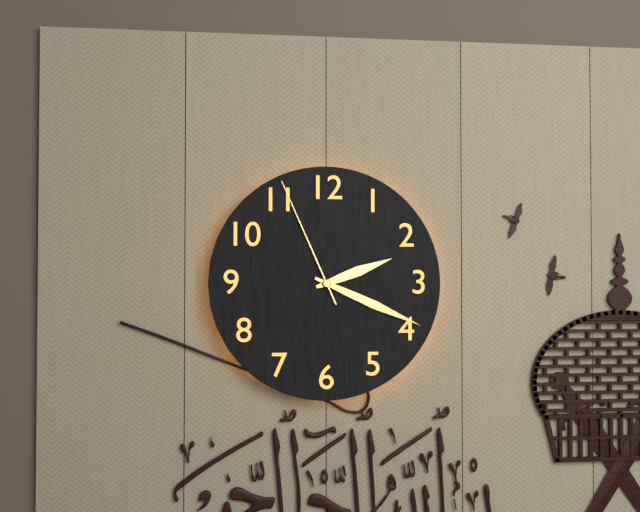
h=2 m=19 s=56
